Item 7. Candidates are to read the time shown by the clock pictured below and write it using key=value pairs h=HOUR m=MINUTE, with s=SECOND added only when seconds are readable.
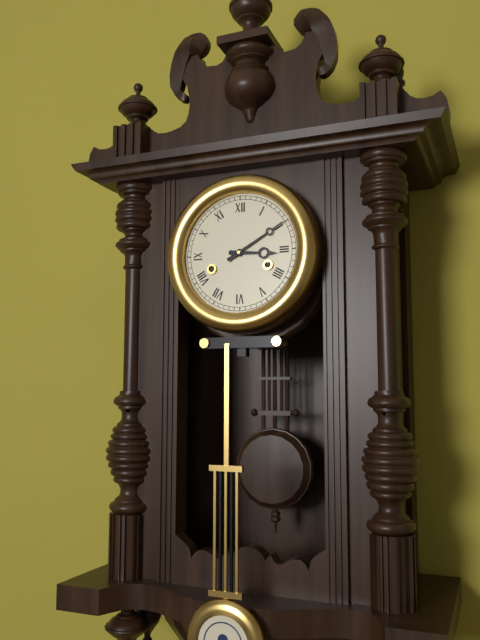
h=3 m=10
